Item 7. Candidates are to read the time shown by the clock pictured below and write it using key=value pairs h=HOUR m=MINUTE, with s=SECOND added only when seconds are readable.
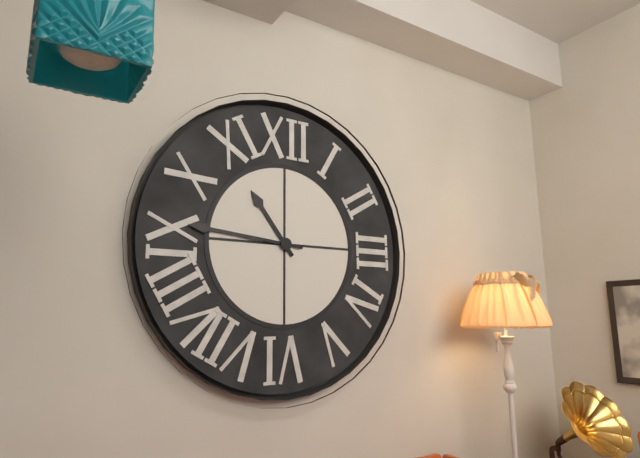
h=10 m=46
